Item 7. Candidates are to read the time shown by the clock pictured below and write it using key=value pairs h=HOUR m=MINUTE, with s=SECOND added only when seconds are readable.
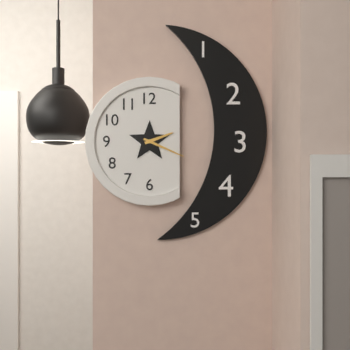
h=2 m=19
